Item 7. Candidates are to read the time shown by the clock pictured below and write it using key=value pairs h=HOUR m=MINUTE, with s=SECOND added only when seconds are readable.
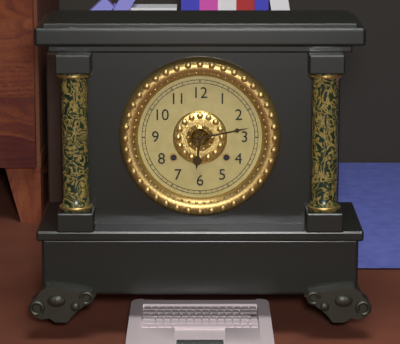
h=6 m=13
